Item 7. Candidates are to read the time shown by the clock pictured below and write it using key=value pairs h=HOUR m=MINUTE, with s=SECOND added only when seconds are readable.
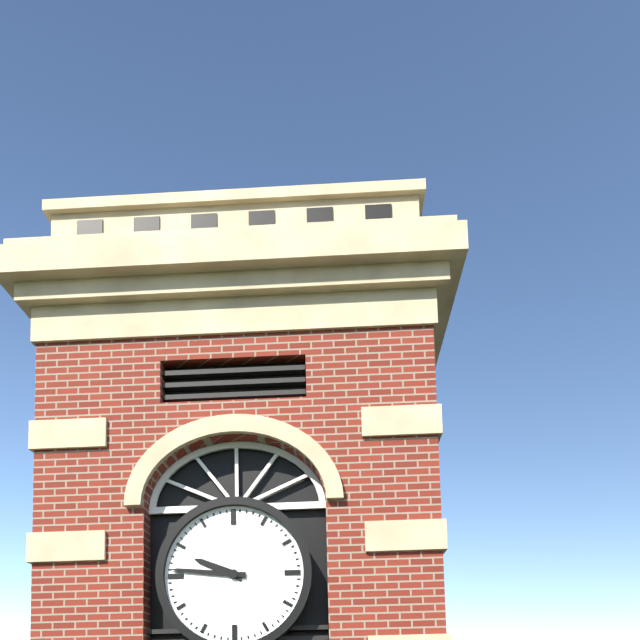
h=9 m=46
